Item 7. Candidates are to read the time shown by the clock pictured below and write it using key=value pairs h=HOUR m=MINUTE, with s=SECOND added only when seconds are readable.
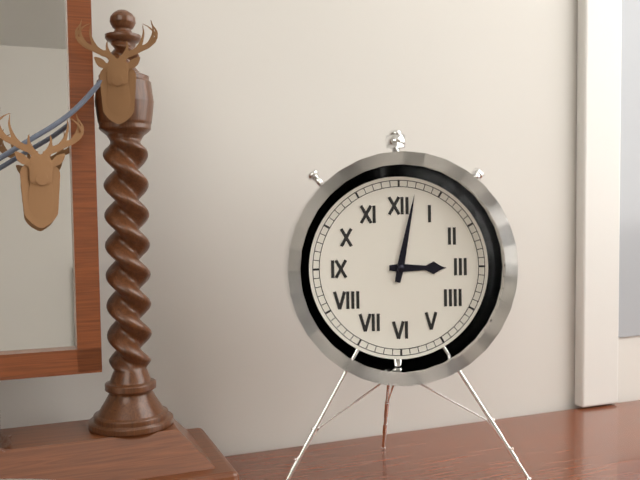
h=3 m=2
